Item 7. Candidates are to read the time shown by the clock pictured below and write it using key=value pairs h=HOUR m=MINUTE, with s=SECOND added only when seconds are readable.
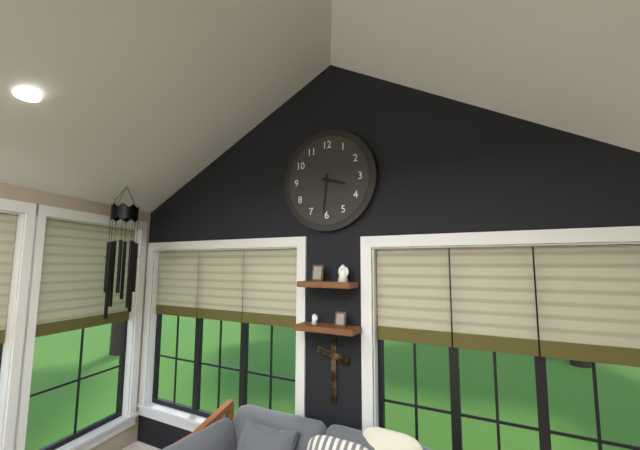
h=3 m=31
